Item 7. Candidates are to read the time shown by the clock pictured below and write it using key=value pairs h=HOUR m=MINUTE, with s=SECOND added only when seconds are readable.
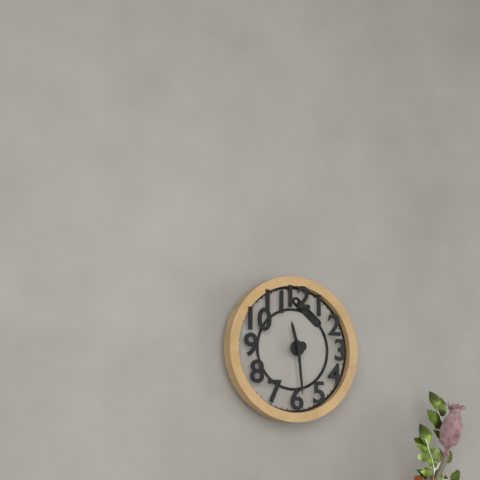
h=11 m=29
